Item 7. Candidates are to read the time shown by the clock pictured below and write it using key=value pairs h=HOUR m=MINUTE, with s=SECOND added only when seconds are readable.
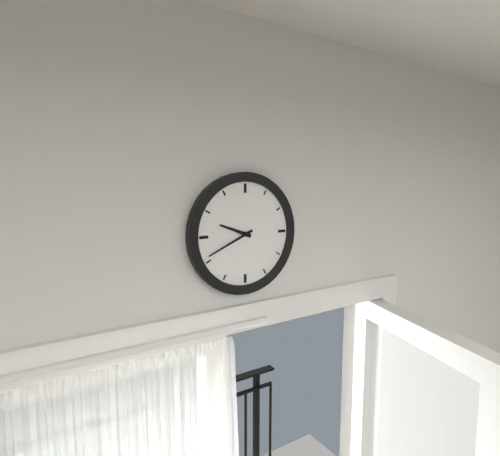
h=9 m=41
